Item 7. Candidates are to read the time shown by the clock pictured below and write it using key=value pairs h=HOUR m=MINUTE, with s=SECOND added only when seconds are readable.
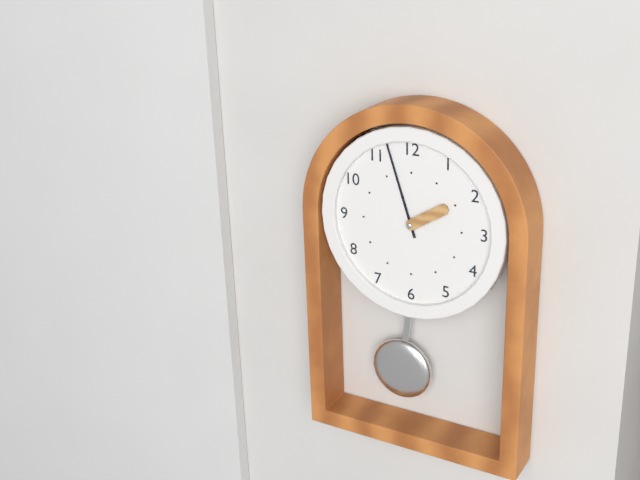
h=1 m=57
